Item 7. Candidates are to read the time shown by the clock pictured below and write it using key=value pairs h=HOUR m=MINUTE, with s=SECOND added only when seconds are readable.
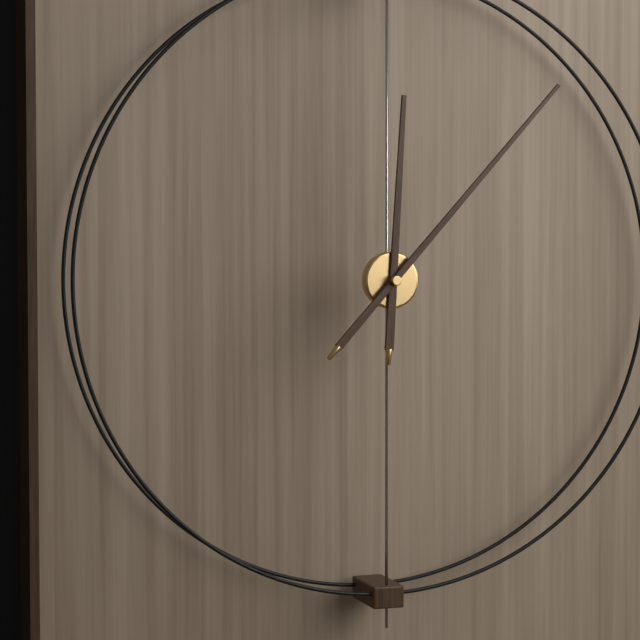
h=12 m=7
